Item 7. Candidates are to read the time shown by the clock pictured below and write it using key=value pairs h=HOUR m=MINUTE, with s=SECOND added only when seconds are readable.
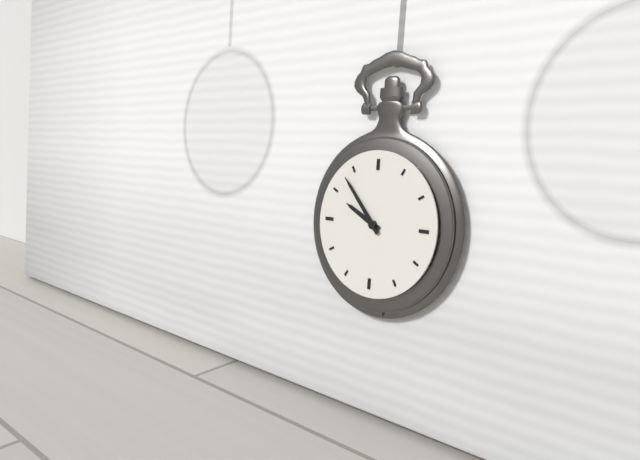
h=9 m=53
